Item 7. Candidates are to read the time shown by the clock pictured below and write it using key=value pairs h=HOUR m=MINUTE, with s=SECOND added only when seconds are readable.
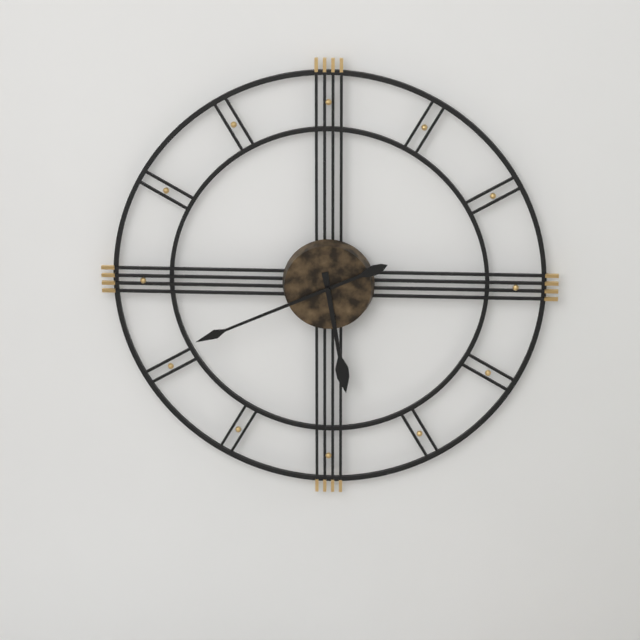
h=5 m=41
